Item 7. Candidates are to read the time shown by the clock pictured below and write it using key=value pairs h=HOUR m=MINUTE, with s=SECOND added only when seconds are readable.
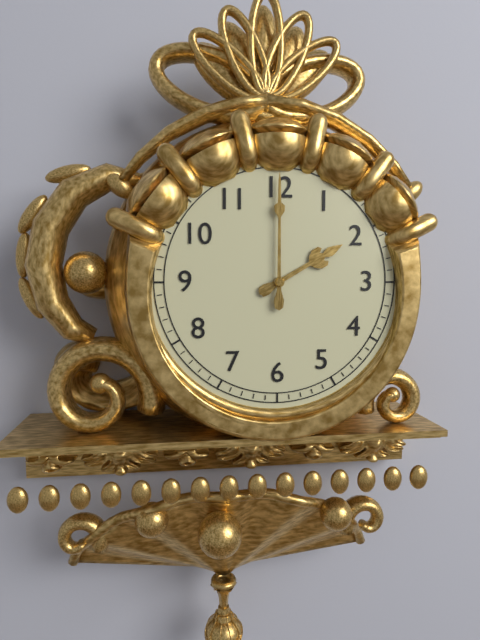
h=2 m=0
